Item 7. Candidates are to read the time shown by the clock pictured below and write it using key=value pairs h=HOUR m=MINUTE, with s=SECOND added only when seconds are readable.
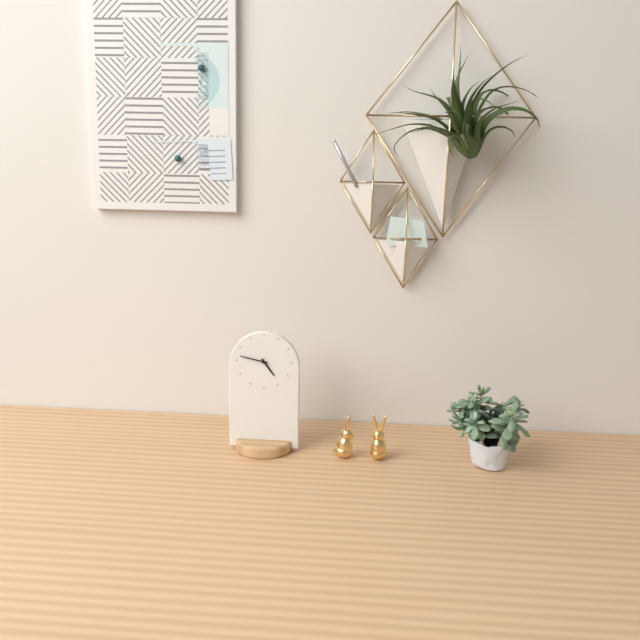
h=4 m=47
